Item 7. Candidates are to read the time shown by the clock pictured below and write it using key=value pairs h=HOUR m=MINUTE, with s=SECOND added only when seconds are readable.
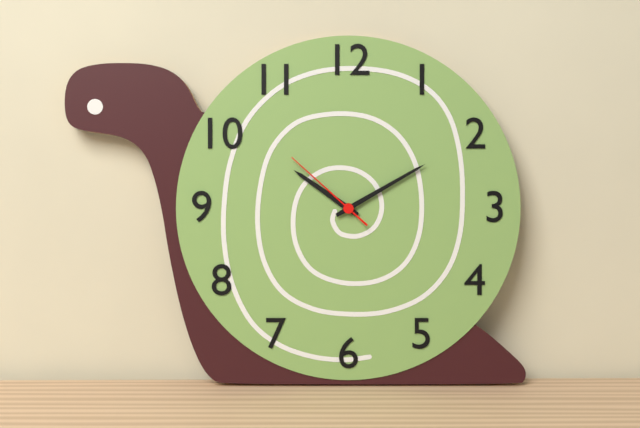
h=10 m=10 s=52
